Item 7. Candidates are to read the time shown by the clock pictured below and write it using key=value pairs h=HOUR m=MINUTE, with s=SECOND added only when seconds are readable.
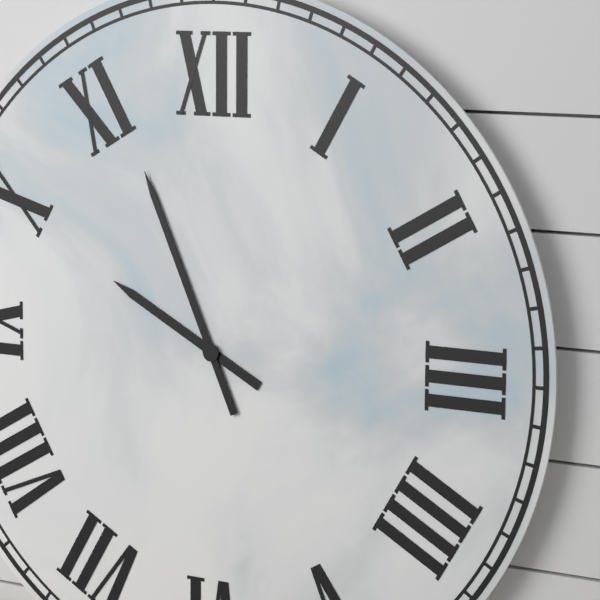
h=9 m=56
